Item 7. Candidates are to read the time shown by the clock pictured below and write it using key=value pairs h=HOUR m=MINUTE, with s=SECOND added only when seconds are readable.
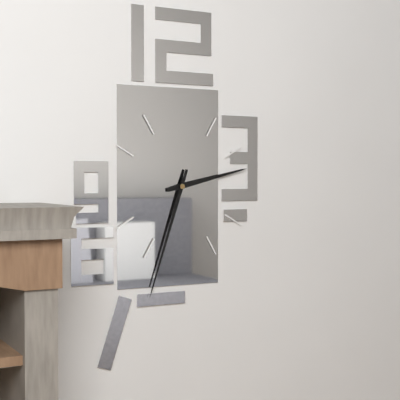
h=2 m=33
